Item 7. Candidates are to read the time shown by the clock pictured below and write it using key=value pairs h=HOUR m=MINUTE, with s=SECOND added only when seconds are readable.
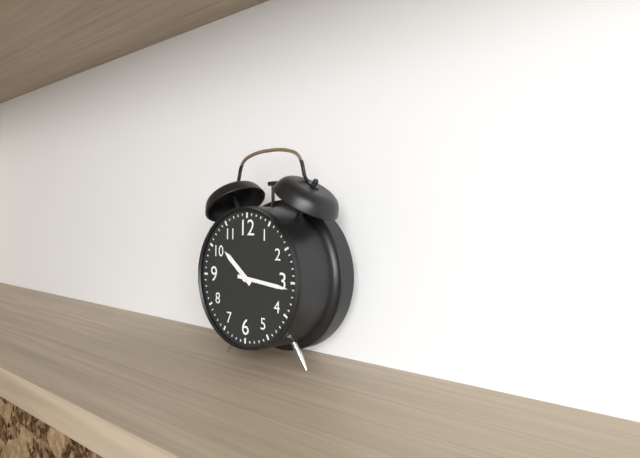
h=10 m=16
